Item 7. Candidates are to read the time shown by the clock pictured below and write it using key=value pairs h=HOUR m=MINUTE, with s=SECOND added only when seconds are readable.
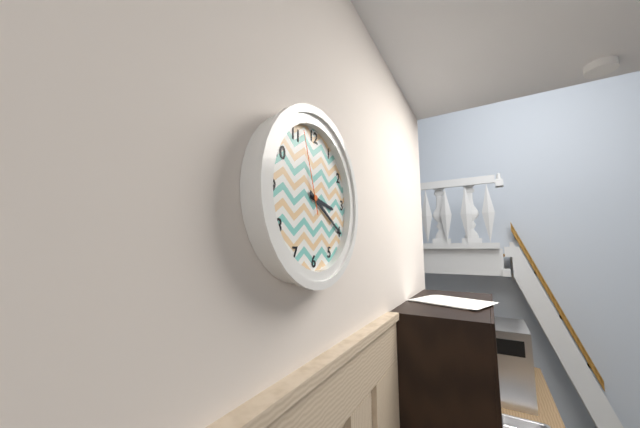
h=3 m=20 s=57
